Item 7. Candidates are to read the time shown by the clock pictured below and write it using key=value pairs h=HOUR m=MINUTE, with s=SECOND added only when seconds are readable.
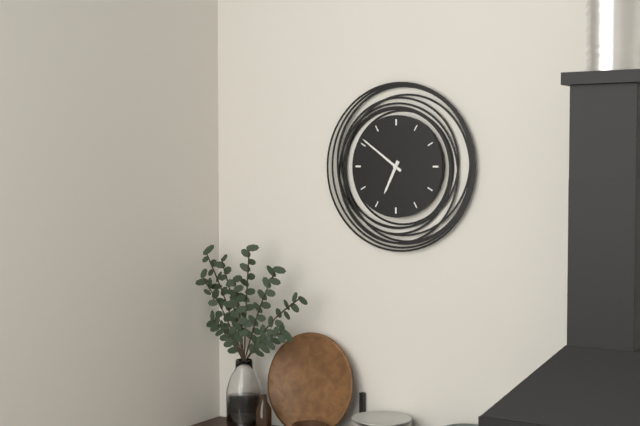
h=6 m=51
